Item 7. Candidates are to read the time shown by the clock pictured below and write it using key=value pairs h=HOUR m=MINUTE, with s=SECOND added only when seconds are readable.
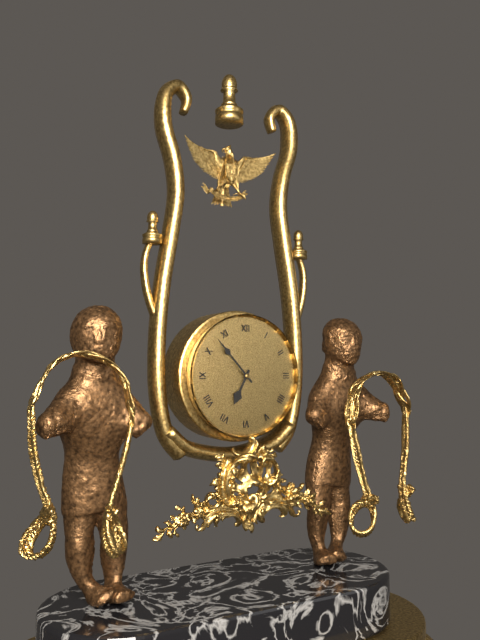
h=6 m=53
